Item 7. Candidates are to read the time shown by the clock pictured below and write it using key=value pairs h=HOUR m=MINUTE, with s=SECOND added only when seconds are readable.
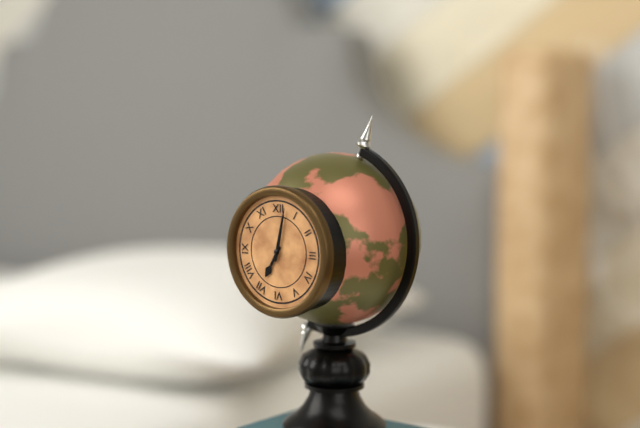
h=7 m=2
